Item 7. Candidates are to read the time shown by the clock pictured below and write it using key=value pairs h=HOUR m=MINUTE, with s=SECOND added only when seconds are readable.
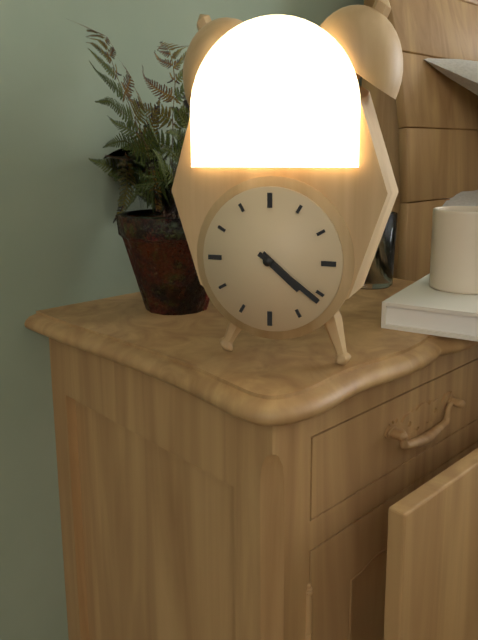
h=4 m=21
